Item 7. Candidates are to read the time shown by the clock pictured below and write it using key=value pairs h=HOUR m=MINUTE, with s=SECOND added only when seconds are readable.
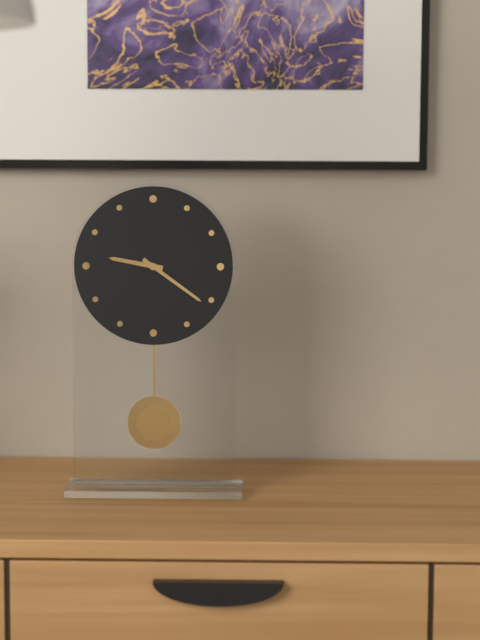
h=9 m=21
